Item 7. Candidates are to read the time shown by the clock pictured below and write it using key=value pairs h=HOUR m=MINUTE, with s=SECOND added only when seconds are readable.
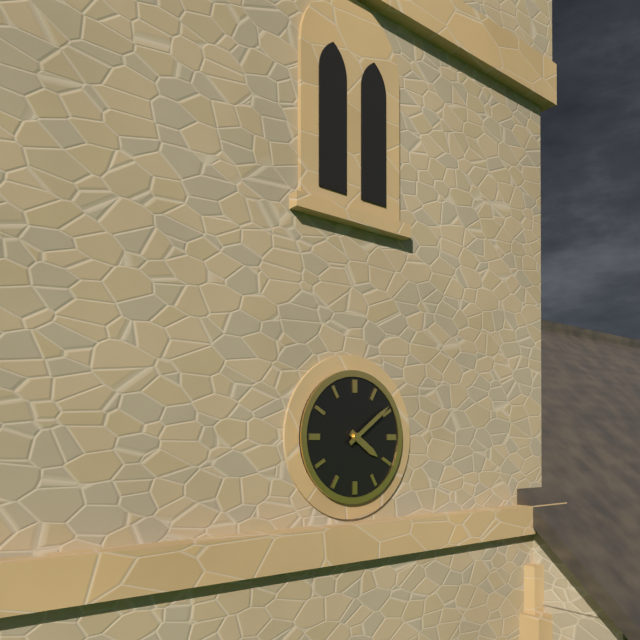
h=4 m=9
